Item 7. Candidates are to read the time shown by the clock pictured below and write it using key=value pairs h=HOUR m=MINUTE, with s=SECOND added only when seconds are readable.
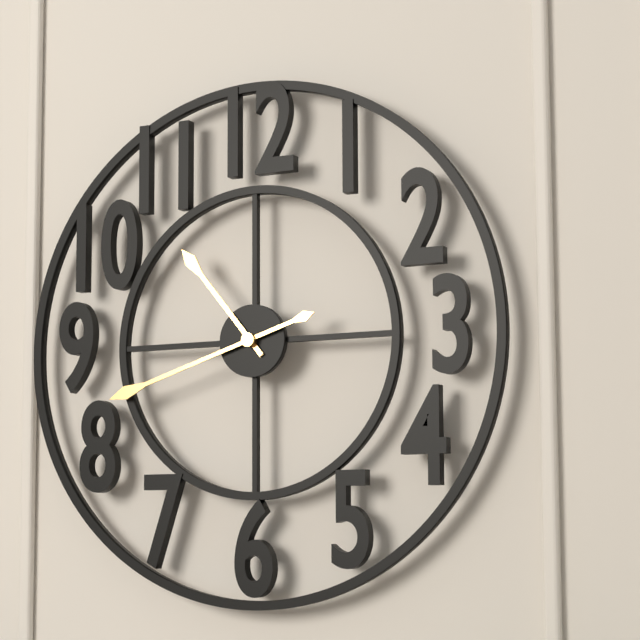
h=10 m=42
